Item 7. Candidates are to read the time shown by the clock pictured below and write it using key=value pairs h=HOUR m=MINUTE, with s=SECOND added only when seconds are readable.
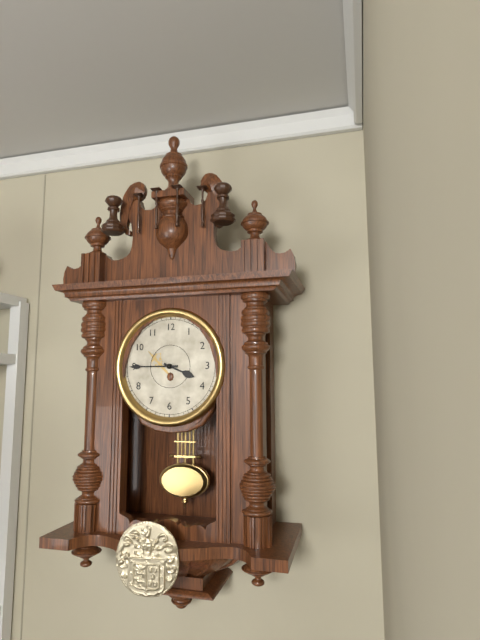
h=3 m=45
